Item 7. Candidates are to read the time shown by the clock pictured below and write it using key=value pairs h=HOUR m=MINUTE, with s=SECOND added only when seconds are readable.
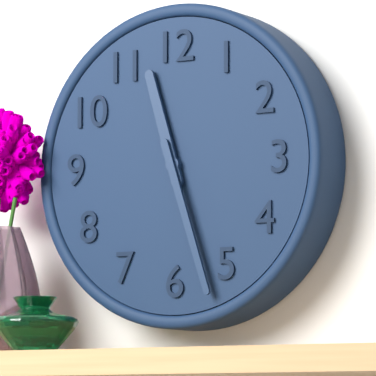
h=11 m=27
